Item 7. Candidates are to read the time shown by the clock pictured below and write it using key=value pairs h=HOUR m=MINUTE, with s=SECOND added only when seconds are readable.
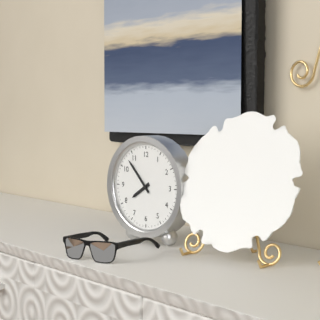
h=7 m=53
